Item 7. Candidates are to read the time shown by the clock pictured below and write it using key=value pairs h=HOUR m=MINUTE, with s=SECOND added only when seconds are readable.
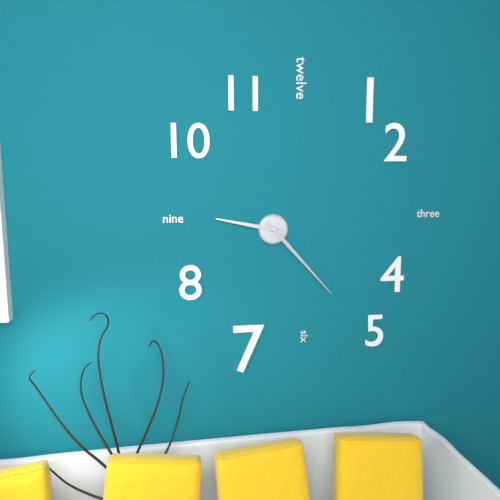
h=9 m=23
